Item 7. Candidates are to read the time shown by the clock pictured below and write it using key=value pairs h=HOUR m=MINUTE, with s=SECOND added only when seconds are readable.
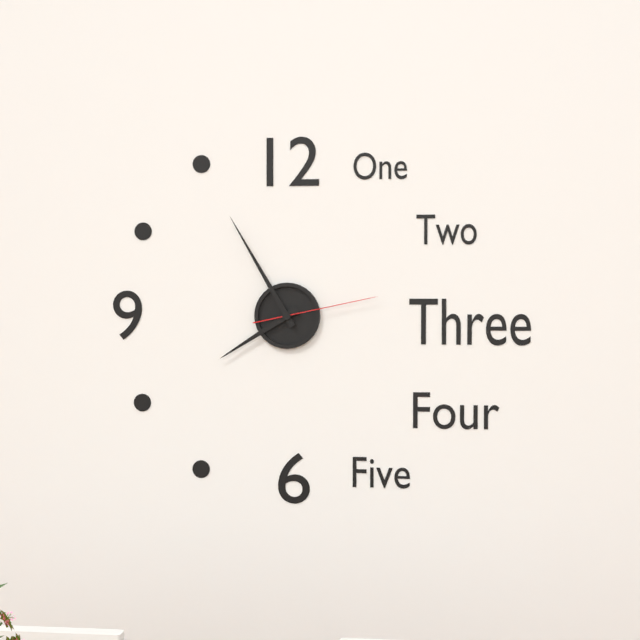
h=7 m=55 s=13
